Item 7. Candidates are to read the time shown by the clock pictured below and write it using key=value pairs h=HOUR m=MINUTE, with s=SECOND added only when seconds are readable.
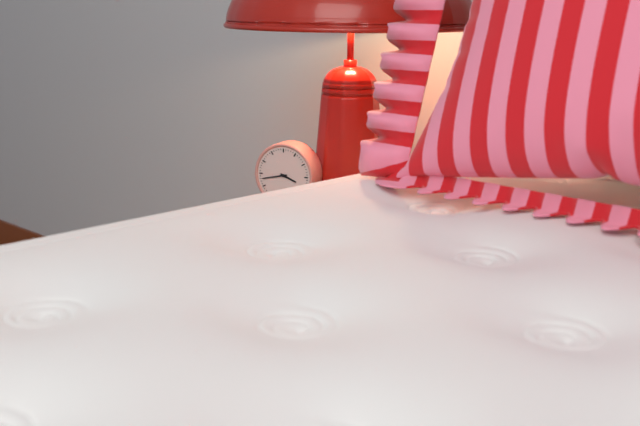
h=3 m=43
